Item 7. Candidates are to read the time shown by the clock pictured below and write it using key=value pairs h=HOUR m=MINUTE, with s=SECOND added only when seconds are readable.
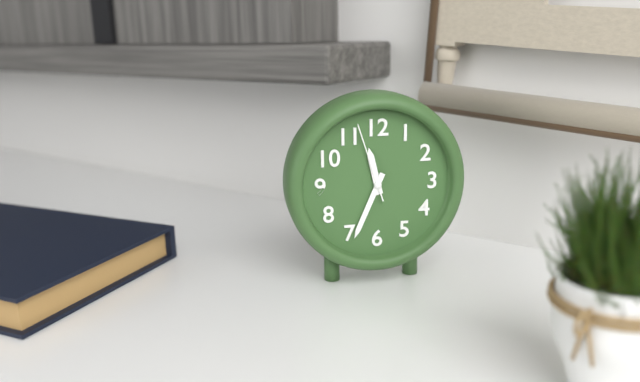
h=11 m=34 s=57
